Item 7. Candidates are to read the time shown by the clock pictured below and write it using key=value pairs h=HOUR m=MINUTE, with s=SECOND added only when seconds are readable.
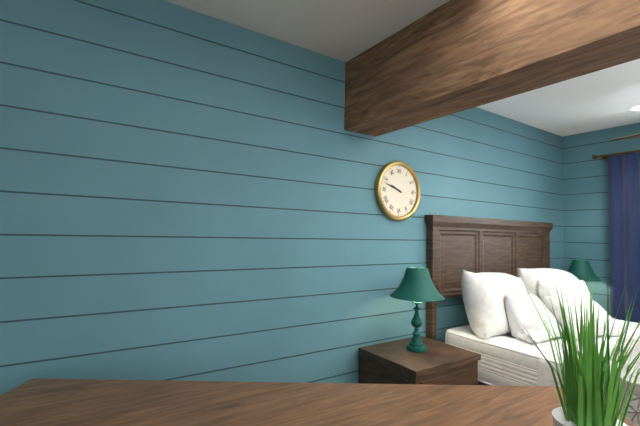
h=9 m=48
